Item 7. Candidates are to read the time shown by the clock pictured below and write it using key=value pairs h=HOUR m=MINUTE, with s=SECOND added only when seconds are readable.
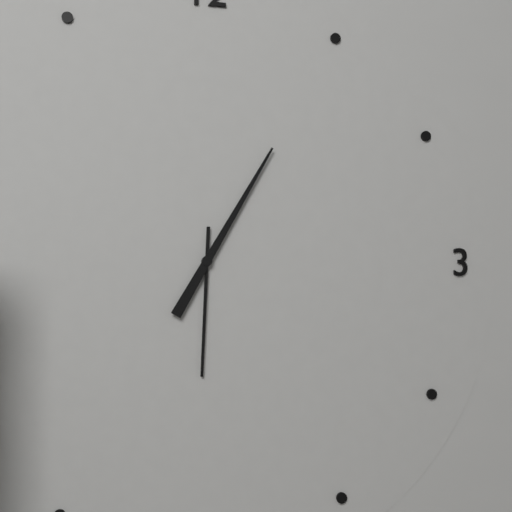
h=6 m=5
